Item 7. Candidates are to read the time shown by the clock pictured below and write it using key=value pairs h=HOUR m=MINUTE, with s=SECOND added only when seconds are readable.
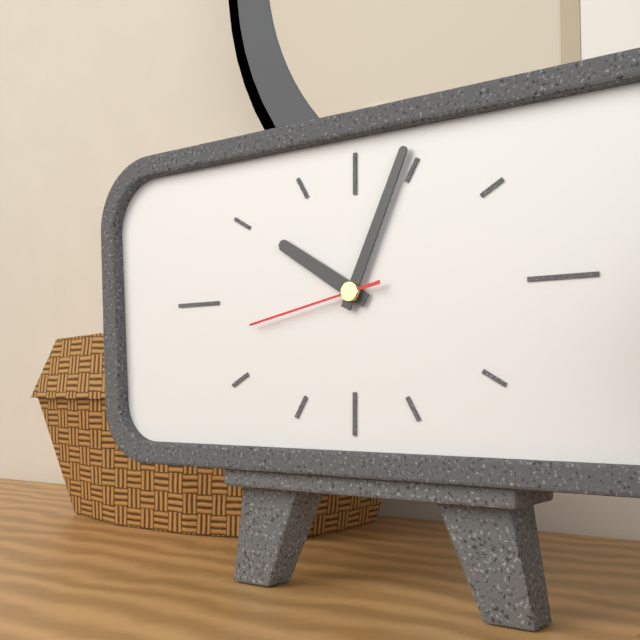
h=10 m=4 s=43
